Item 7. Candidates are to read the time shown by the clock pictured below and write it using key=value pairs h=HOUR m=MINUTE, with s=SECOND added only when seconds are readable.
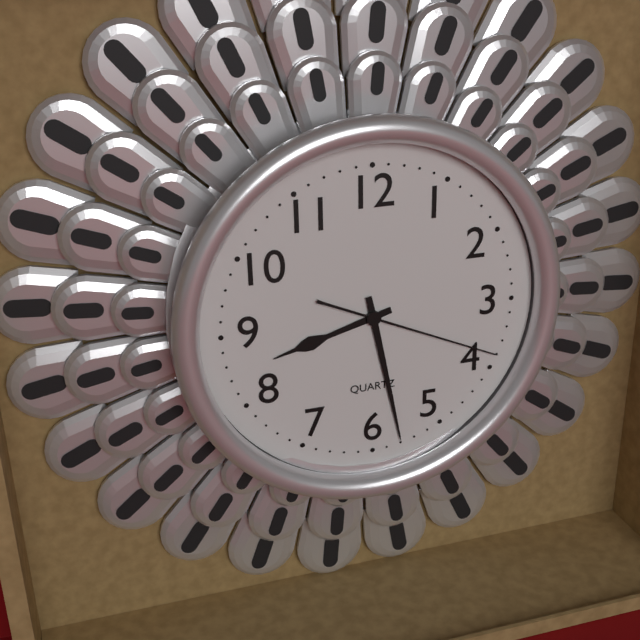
h=8 m=28 s=19
